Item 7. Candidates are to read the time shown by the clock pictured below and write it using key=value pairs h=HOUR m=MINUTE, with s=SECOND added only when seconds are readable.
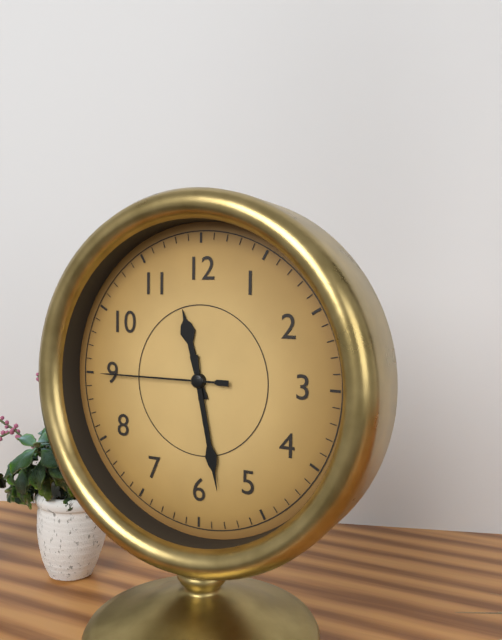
h=11 m=28 s=45
